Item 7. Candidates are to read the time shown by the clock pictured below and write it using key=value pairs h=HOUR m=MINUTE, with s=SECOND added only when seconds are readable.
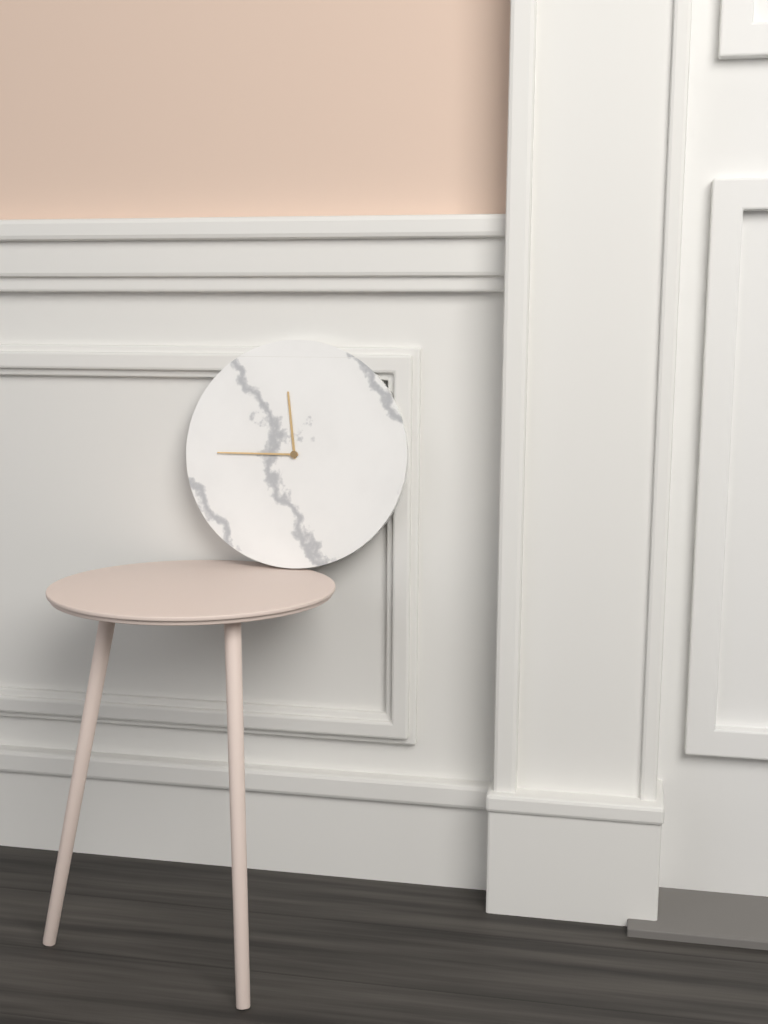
h=11 m=45
